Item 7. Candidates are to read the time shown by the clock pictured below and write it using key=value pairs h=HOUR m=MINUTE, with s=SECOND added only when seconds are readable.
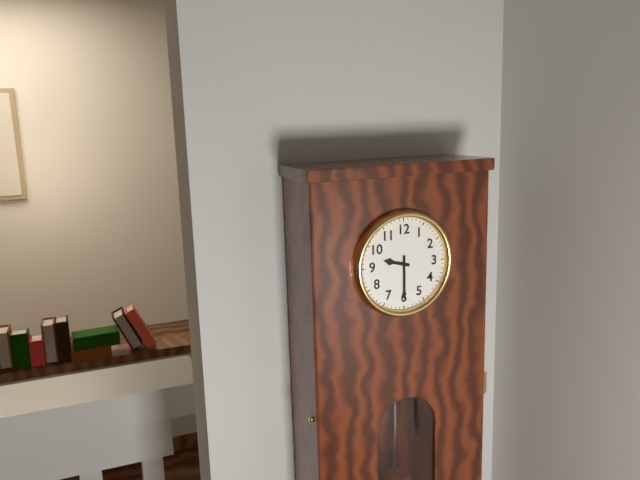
h=9 m=30
